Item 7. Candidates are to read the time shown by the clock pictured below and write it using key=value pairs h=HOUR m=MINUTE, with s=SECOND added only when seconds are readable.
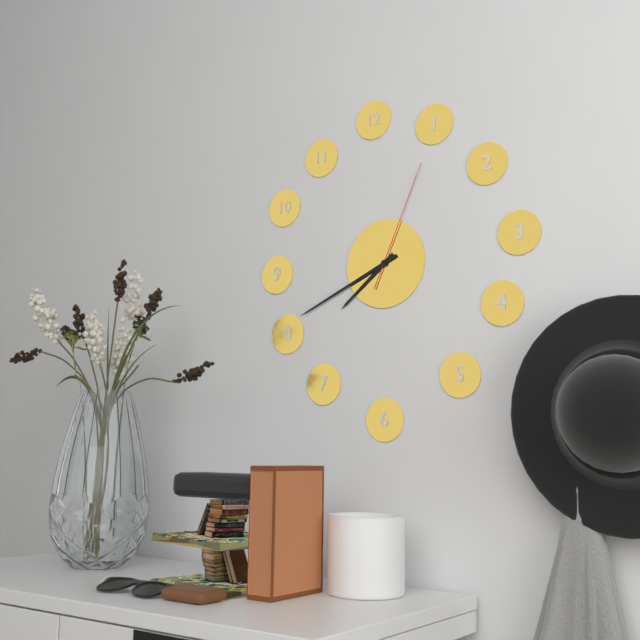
h=7 m=41 s=4
